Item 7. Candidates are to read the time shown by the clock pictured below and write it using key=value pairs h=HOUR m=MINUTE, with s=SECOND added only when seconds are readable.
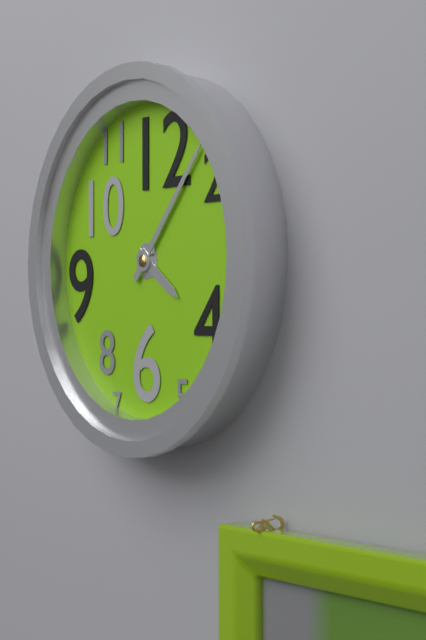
h=4 m=7
